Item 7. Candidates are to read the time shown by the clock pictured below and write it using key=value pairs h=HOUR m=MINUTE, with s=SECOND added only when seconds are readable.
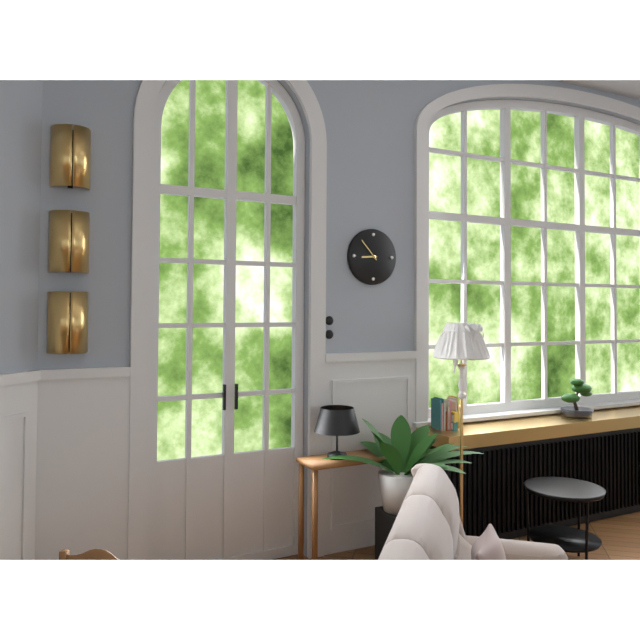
h=8 m=53
